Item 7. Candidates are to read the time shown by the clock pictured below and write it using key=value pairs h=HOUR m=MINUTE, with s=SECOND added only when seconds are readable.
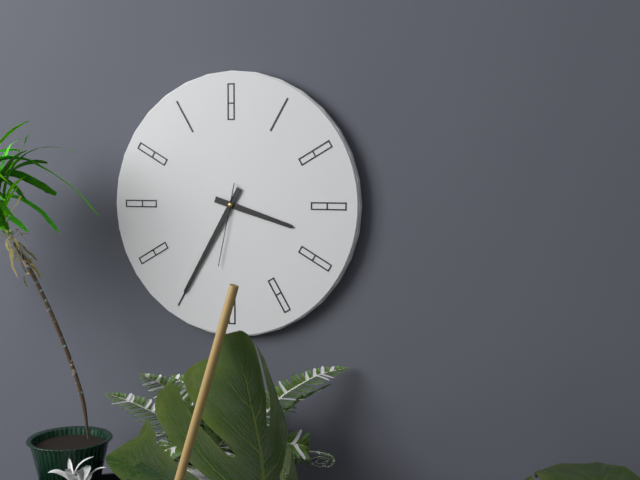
h=3 m=35 s=32
